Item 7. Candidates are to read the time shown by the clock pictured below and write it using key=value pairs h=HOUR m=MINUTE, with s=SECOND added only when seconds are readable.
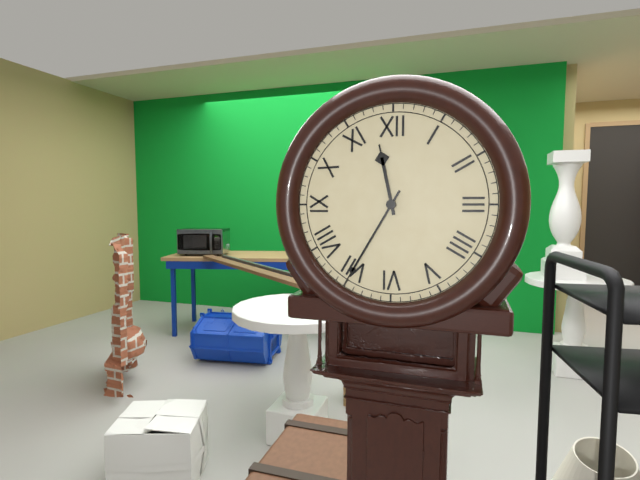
h=11 m=35
